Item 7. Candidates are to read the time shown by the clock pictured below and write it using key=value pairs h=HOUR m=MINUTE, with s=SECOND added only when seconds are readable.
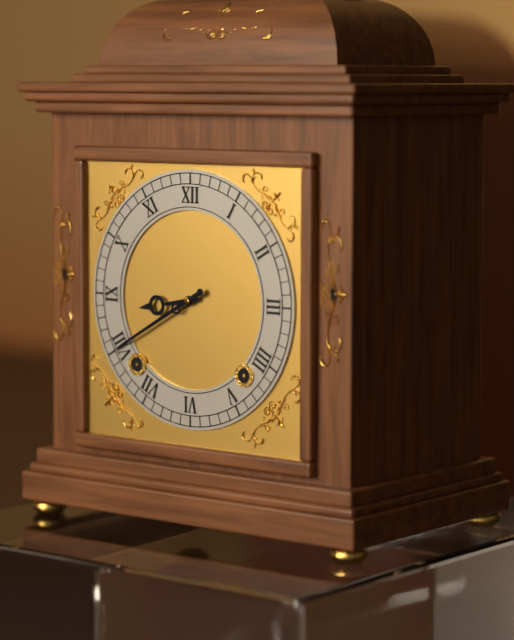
h=8 m=40
